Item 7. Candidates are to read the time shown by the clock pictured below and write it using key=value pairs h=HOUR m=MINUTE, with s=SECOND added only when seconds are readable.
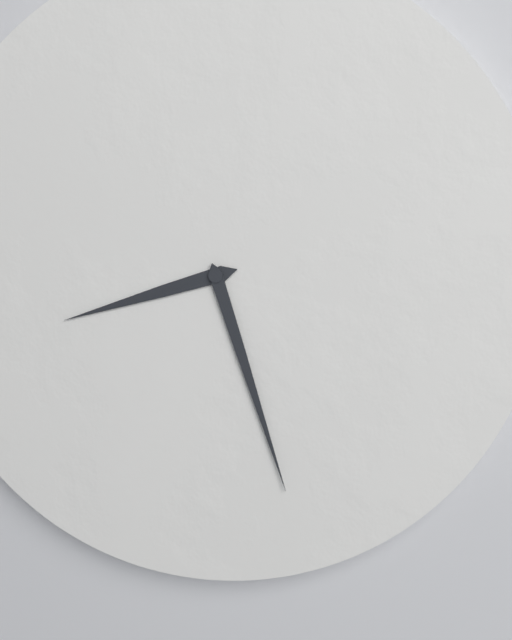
h=8 m=27
